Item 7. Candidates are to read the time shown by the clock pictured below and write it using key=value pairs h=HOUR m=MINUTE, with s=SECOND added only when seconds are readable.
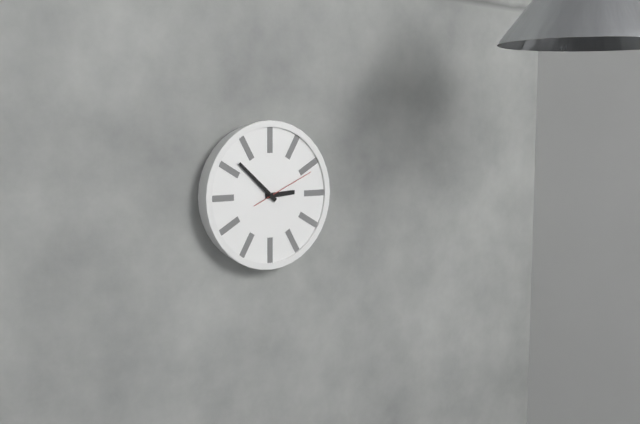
h=2 m=52 s=11
